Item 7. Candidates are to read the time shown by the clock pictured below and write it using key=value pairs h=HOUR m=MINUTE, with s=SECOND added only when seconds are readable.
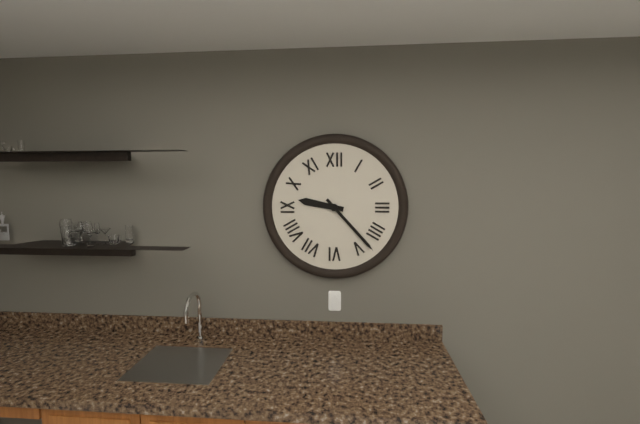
h=9 m=23
